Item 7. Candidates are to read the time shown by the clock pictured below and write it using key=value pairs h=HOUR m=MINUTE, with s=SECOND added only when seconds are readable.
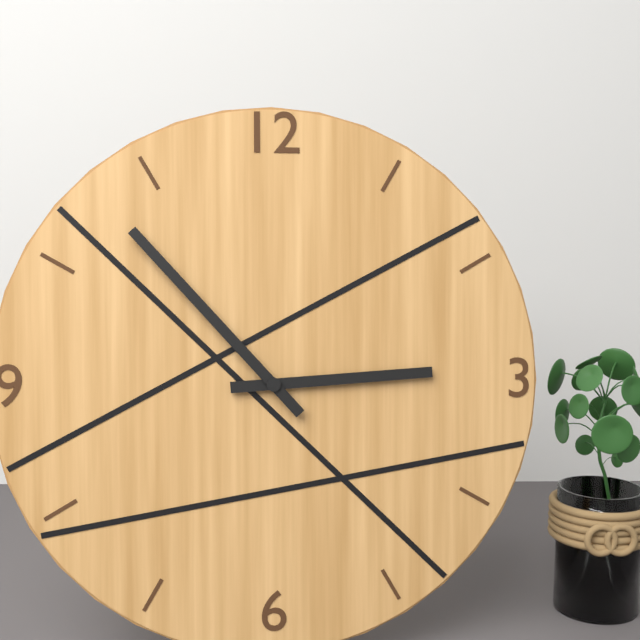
h=2 m=53
